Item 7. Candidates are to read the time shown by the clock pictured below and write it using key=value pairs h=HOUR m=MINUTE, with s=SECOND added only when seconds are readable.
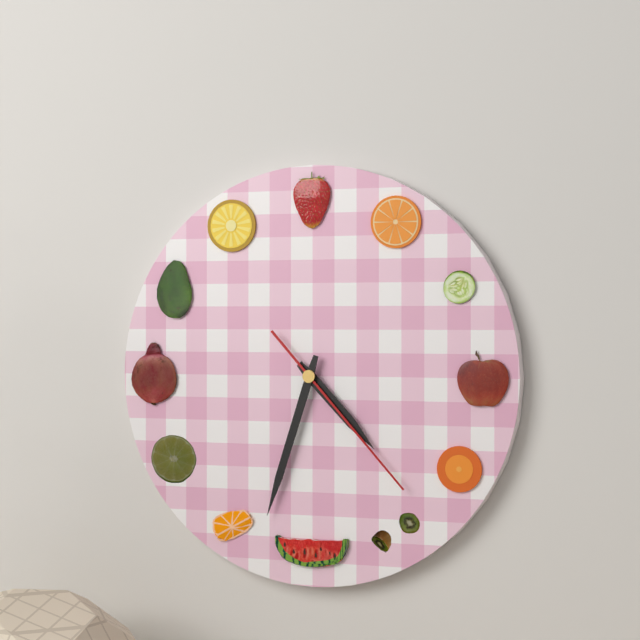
h=4 m=33 s=23
